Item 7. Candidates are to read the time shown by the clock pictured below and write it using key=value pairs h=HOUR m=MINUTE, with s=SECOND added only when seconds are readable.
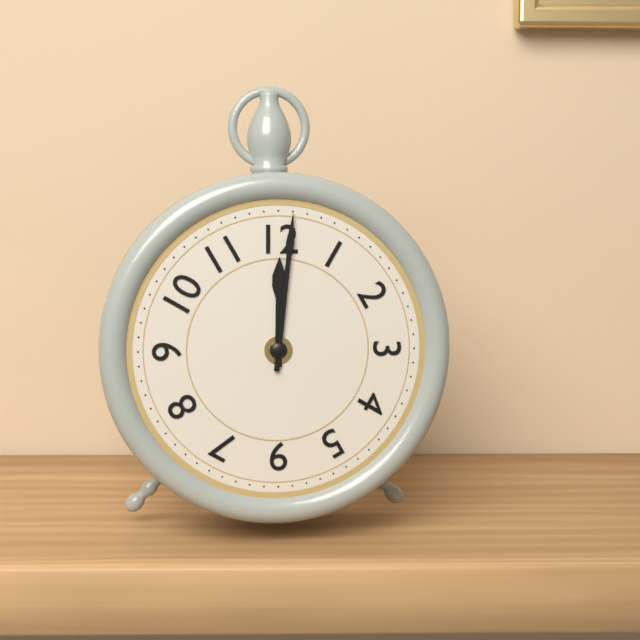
h=12 m=1
